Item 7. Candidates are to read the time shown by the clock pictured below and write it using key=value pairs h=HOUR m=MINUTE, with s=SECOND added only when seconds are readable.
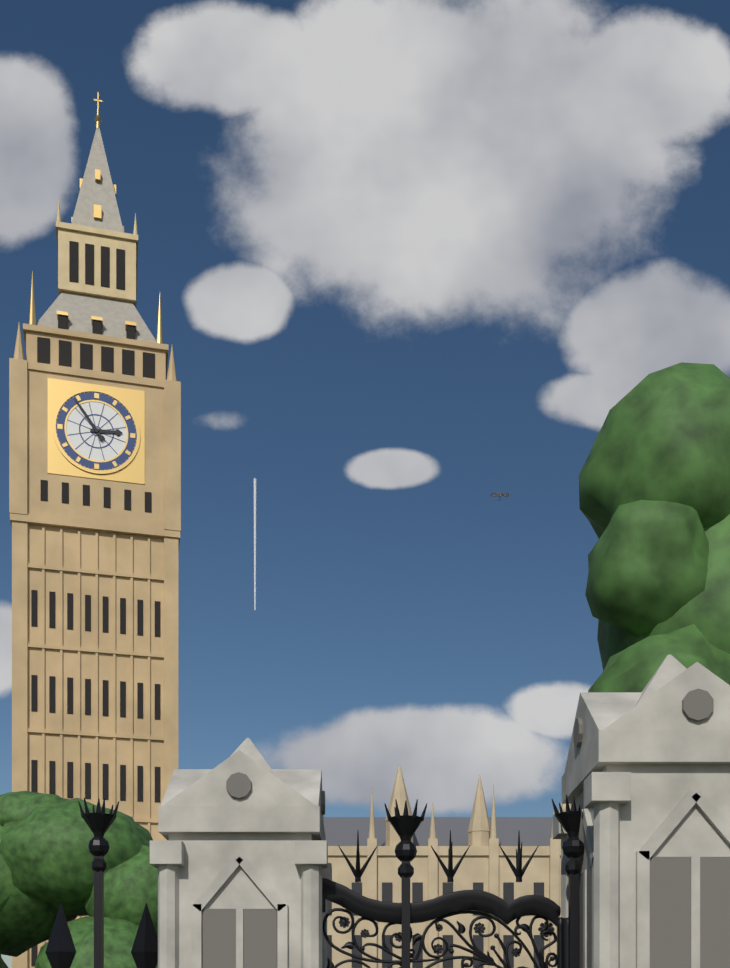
h=2 m=54
